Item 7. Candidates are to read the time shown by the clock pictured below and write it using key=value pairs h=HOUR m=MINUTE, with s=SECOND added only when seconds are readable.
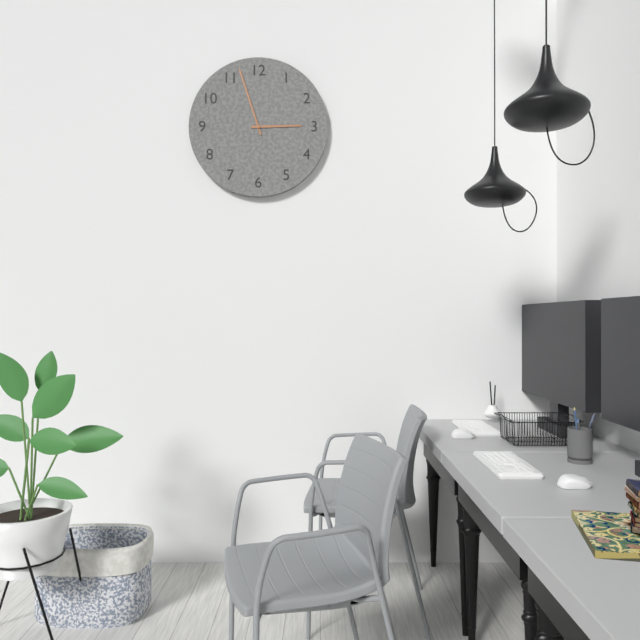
h=2 m=57
